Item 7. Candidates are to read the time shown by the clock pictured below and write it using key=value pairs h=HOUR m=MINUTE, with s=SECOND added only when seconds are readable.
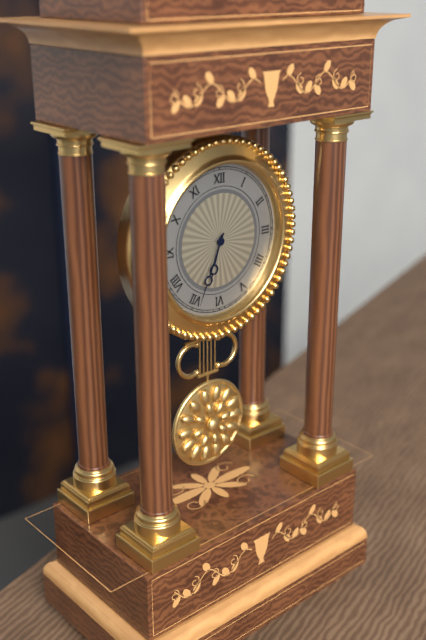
h=6 m=34
